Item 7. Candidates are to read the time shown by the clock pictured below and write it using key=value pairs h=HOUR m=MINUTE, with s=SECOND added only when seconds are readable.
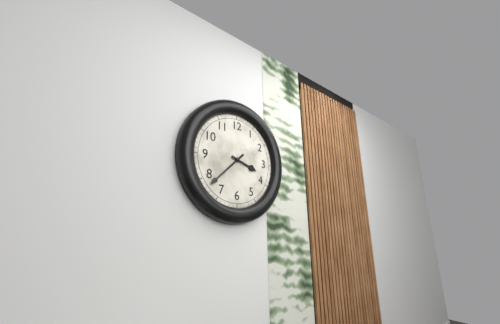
h=3 m=38
